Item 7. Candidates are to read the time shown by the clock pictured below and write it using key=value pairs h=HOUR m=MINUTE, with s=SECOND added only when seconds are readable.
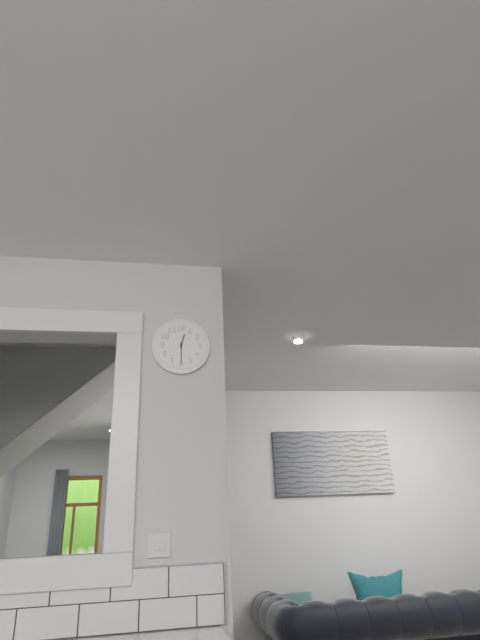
h=12 m=30
